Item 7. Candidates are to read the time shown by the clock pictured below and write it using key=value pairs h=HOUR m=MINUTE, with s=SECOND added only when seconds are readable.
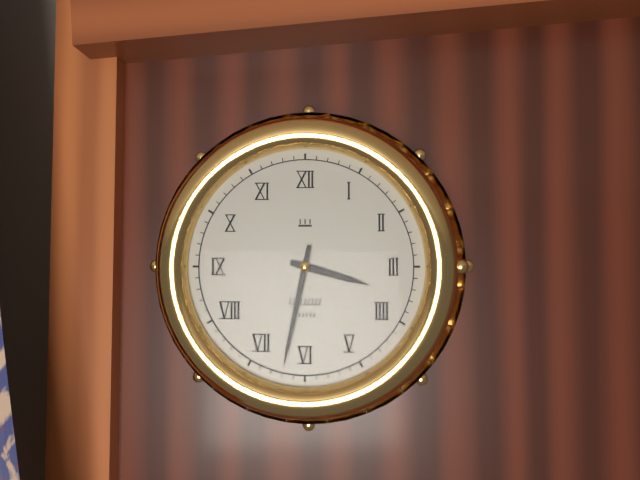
h=3 m=32
